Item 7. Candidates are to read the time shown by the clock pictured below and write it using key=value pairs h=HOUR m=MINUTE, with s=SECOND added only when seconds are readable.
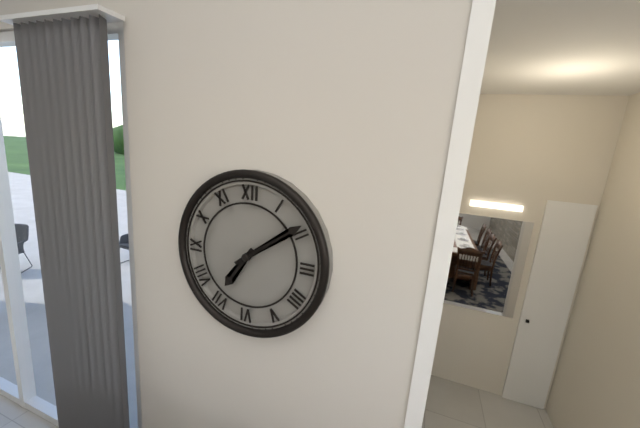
h=7 m=9
